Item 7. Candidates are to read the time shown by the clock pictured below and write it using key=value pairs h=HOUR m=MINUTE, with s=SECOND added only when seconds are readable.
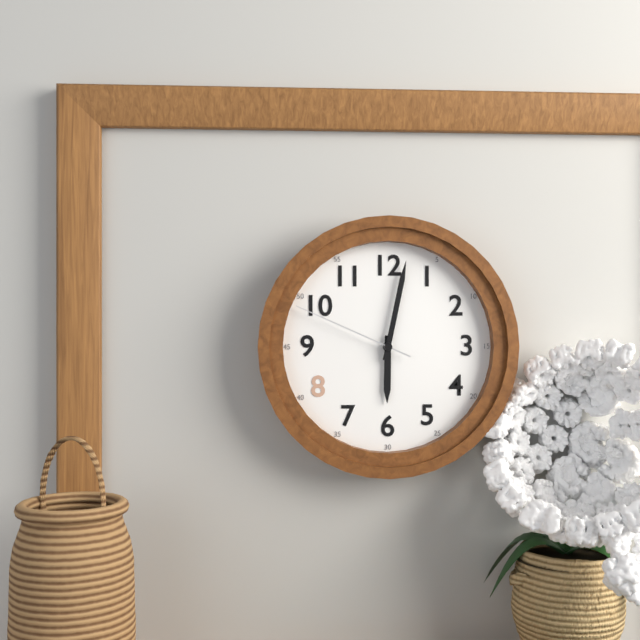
h=6 m=2 s=49
